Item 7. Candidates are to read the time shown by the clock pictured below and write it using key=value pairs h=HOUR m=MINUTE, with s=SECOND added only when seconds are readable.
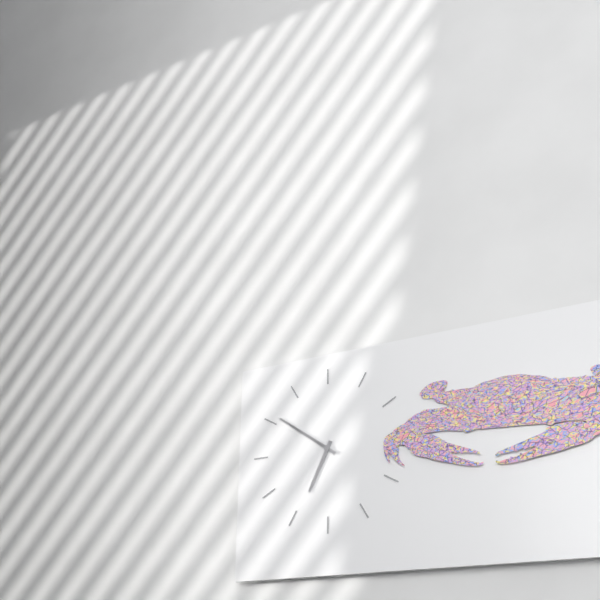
h=6 m=51
